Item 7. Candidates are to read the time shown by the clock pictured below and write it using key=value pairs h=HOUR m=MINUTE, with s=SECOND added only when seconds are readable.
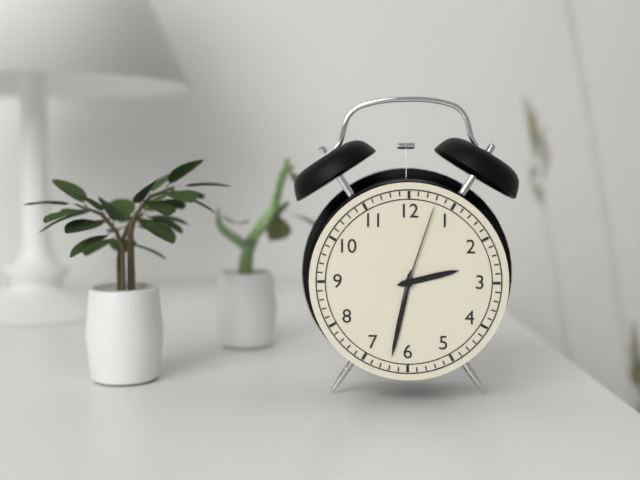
h=2 m=32 s=3
